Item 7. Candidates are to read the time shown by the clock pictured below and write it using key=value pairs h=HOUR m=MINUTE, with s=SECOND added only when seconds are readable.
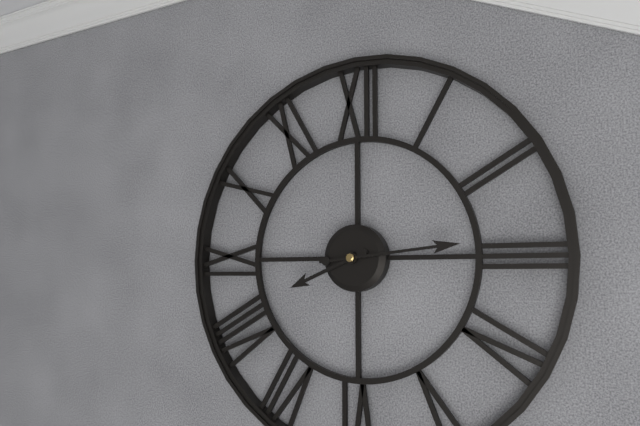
h=8 m=14
